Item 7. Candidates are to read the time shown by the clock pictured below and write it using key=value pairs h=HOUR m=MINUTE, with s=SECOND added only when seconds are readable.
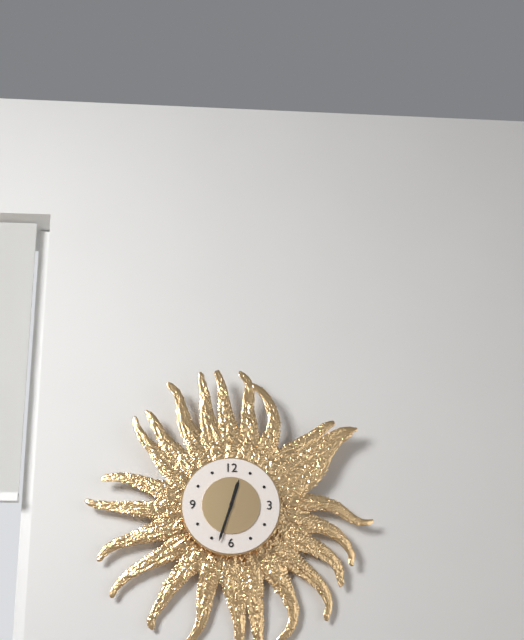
h=12 m=33
